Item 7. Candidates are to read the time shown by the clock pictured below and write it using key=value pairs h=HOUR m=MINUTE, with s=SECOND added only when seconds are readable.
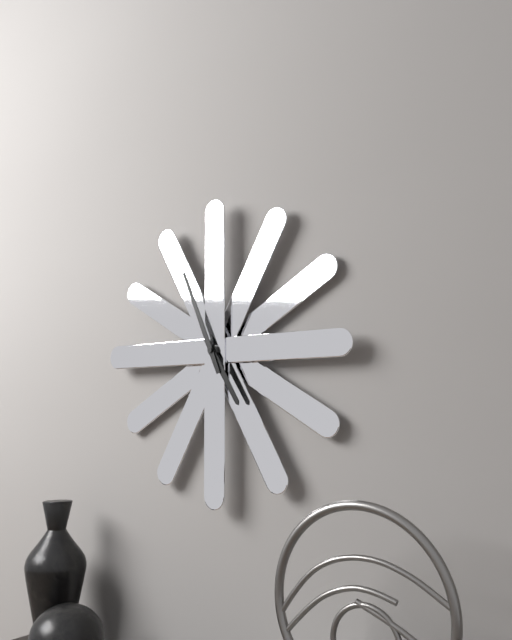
h=4 m=56
